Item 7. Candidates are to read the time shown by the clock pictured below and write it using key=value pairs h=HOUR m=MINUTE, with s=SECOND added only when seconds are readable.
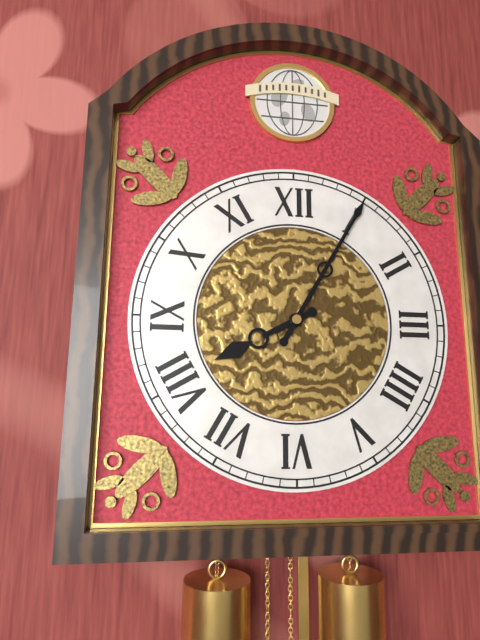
h=8 m=5
